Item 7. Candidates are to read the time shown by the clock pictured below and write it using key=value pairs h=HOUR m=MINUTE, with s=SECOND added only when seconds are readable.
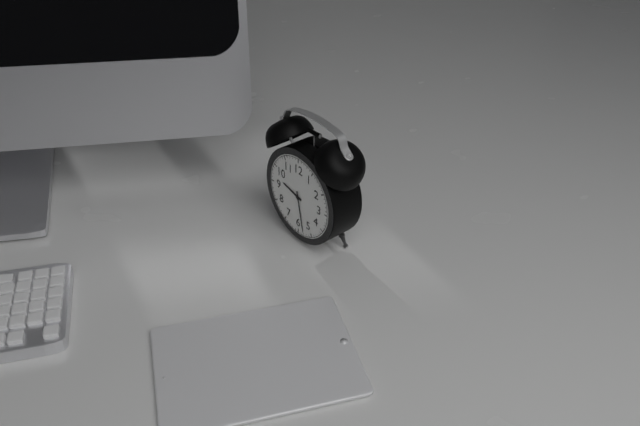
h=9 m=28
